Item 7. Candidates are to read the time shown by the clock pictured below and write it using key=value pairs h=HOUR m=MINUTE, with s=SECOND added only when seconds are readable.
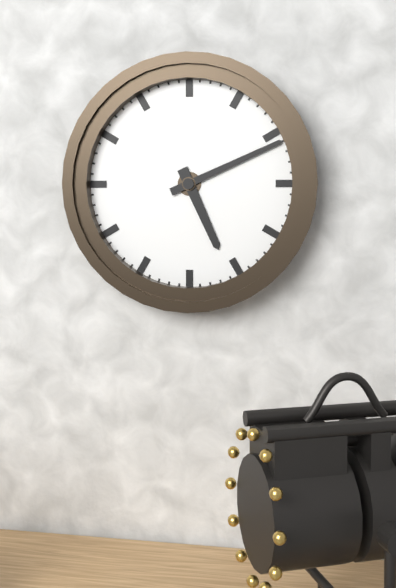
h=5 m=11
